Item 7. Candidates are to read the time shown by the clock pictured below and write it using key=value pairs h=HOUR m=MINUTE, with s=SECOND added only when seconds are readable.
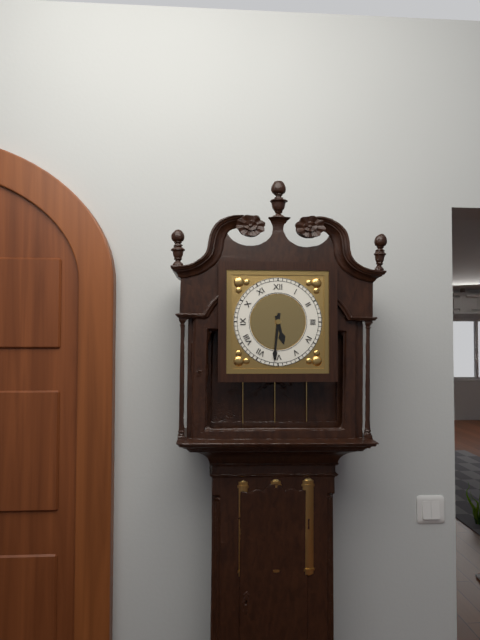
h=5 m=31
